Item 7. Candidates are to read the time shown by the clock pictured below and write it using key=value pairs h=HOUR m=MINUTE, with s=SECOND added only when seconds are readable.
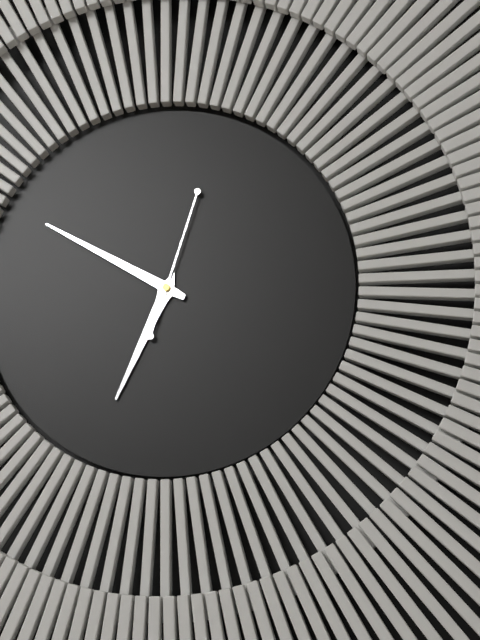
h=6 m=50 s=3
